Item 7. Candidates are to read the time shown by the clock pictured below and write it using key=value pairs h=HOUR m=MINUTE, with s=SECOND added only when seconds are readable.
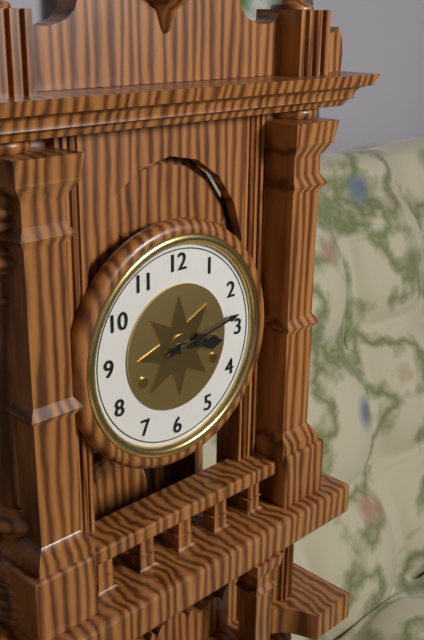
h=3 m=13
